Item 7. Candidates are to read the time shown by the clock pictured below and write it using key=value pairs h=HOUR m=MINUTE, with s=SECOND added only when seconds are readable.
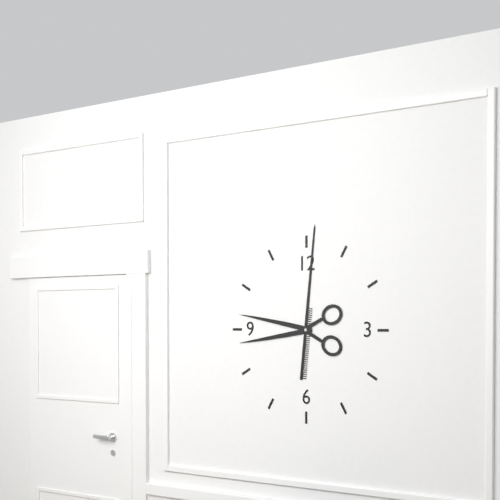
h=9 m=1
